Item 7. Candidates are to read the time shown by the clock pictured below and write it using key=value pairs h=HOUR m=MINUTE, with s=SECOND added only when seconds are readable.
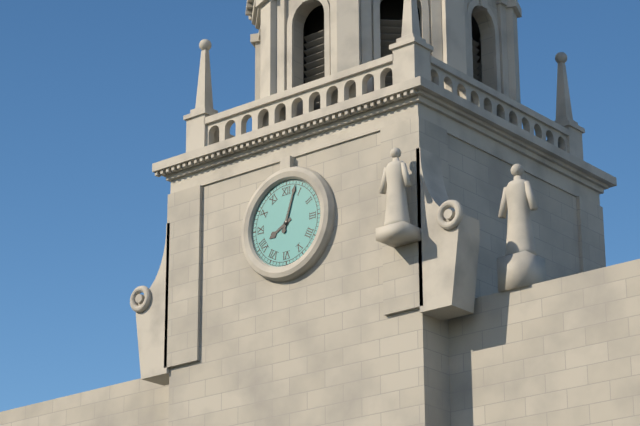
h=8 m=3
